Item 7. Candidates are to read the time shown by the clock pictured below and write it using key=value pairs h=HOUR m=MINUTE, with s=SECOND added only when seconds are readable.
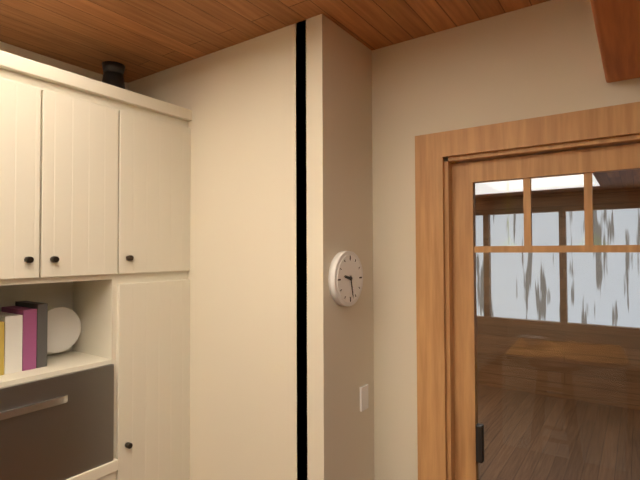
h=9 m=28
